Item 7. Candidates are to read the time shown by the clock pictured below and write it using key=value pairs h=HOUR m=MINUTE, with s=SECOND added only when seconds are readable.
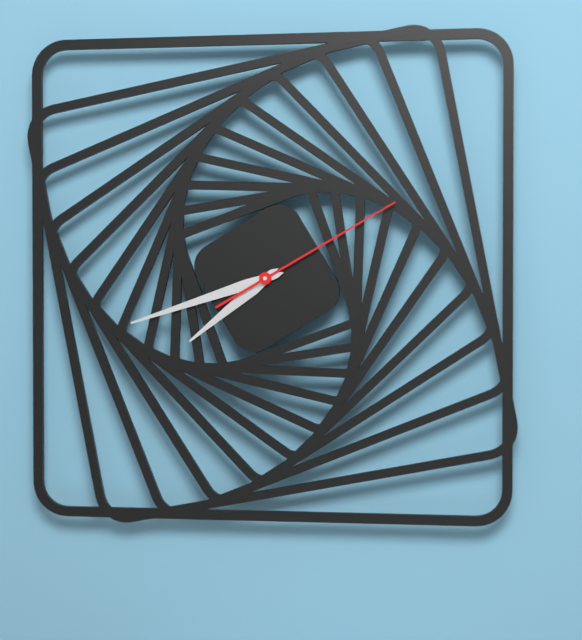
h=7 m=42 s=10
